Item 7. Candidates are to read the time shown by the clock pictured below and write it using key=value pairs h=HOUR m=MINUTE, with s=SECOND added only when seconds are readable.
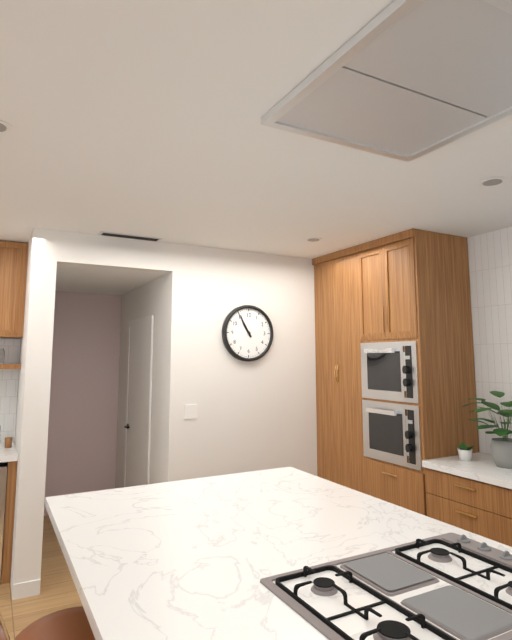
h=10 m=55
